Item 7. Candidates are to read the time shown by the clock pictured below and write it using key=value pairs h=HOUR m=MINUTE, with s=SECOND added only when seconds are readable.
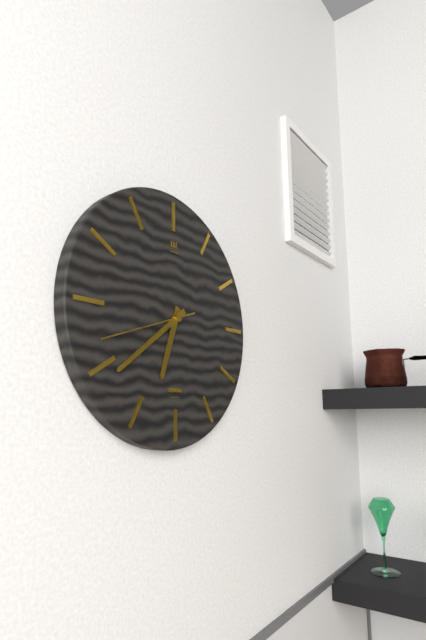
h=6 m=39 s=42
